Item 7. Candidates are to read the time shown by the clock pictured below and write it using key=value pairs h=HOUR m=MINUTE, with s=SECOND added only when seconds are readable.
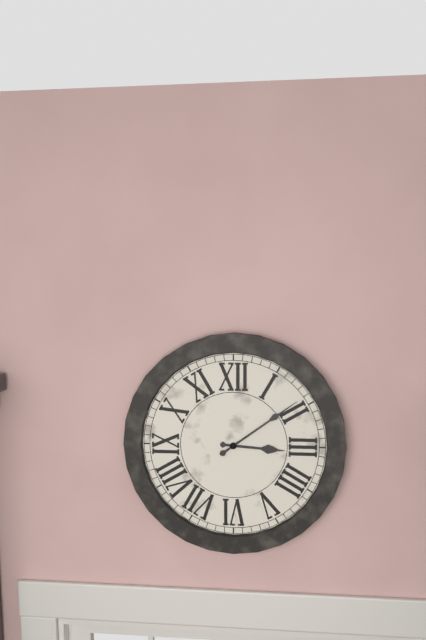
h=3 m=9
